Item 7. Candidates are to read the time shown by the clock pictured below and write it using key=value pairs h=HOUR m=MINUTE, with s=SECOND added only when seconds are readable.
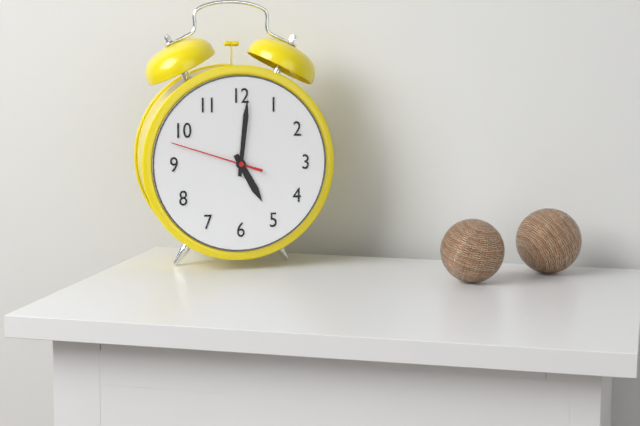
h=5 m=1 s=48
